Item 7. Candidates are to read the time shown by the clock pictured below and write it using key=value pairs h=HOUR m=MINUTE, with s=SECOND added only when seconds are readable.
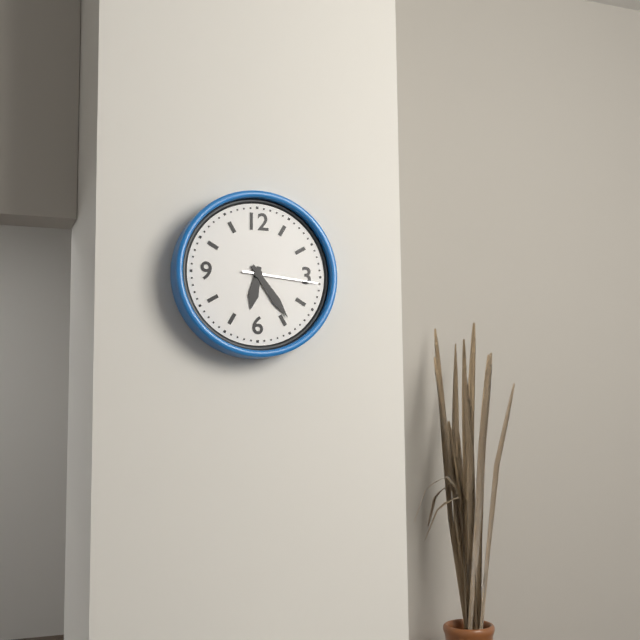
h=6 m=24 s=16
